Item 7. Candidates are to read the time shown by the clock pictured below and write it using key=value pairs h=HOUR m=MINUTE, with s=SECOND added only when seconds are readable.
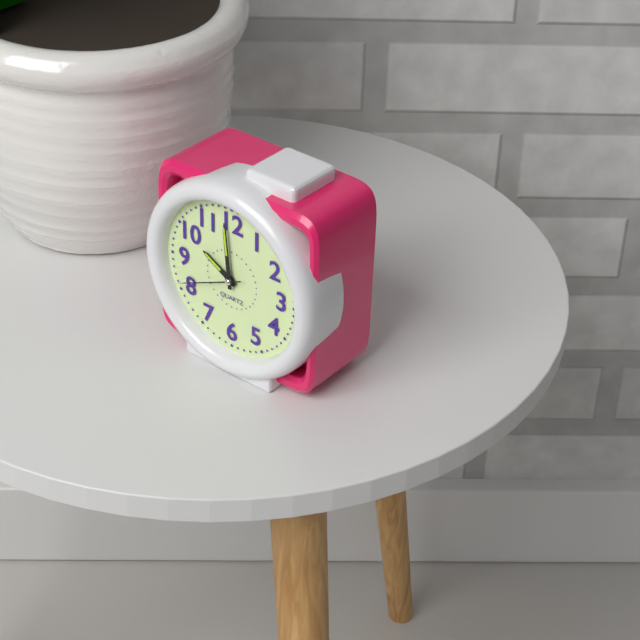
h=9 m=59 s=41
